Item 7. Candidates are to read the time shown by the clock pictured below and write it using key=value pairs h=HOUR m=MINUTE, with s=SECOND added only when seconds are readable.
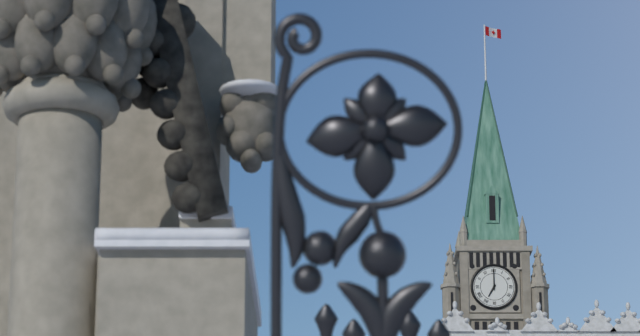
h=7 m=0
